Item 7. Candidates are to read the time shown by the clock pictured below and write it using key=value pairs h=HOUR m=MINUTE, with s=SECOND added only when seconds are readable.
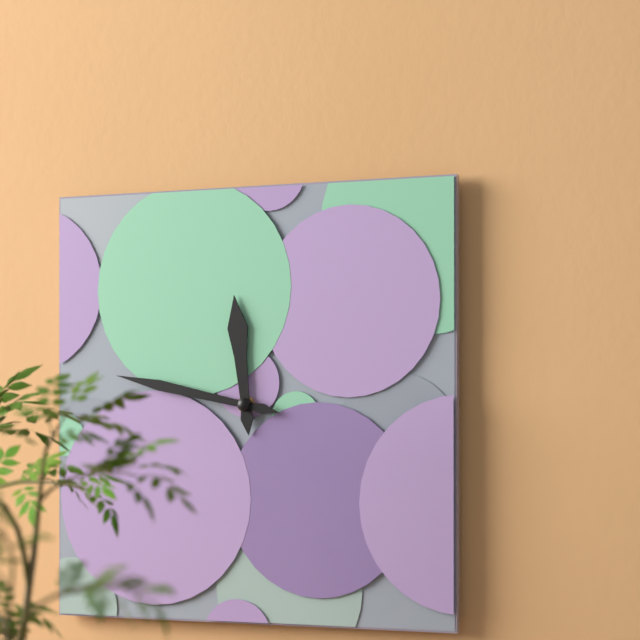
h=11 m=47
